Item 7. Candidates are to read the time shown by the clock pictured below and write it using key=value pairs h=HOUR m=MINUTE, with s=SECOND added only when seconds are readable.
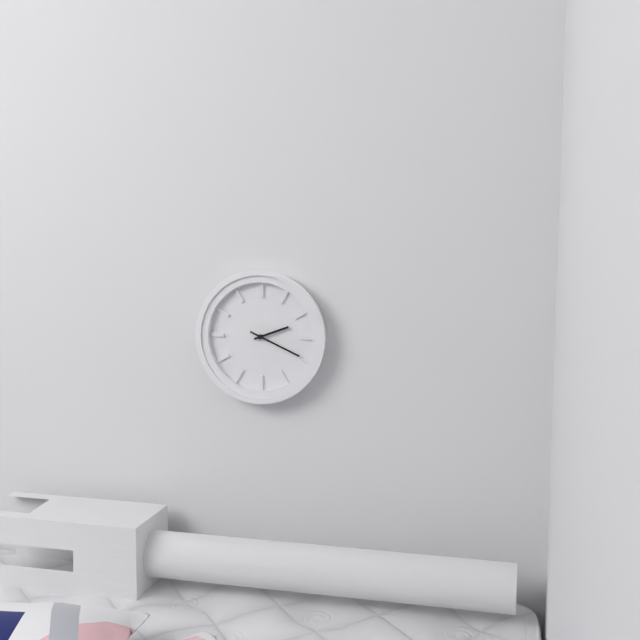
h=2 m=19
